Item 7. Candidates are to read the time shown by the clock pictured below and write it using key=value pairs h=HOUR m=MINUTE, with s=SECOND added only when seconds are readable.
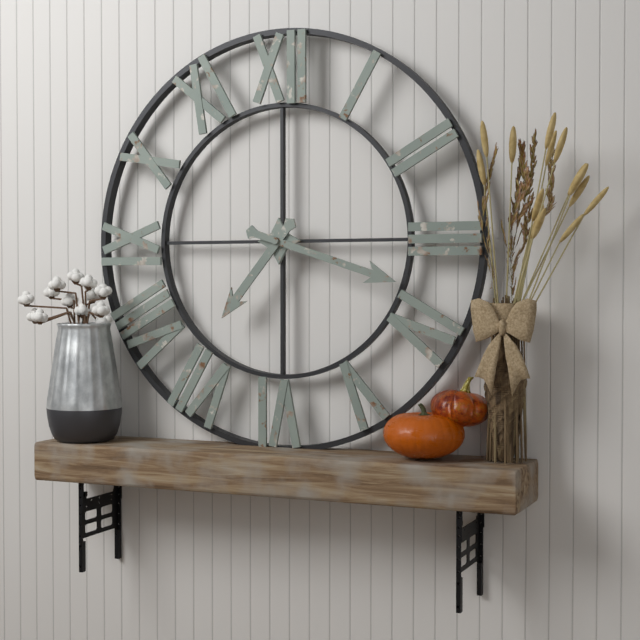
h=7 m=18
